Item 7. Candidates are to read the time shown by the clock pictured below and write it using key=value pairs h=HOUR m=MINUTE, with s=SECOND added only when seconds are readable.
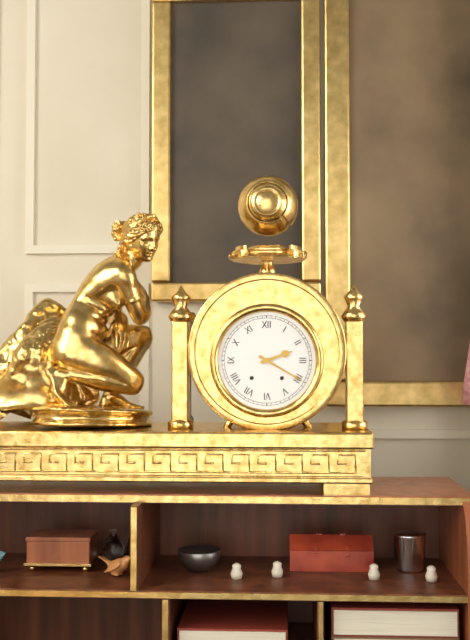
h=2 m=20
